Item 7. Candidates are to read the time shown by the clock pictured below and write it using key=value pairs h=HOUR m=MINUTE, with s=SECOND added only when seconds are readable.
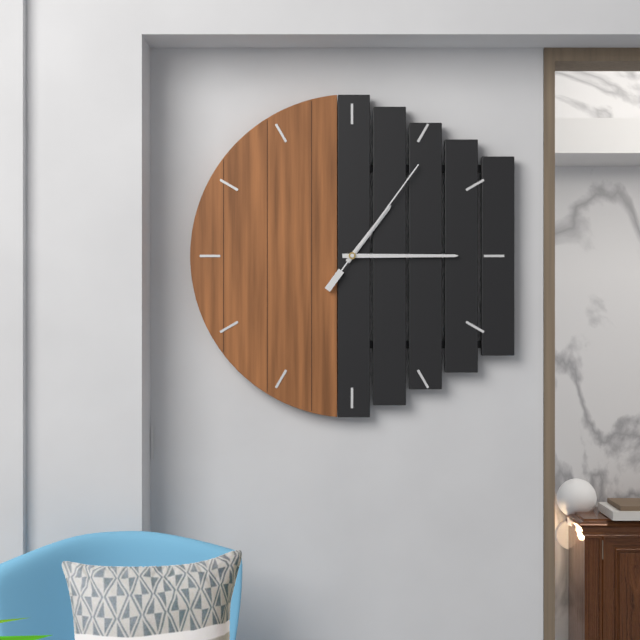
h=1 m=15 s=6
